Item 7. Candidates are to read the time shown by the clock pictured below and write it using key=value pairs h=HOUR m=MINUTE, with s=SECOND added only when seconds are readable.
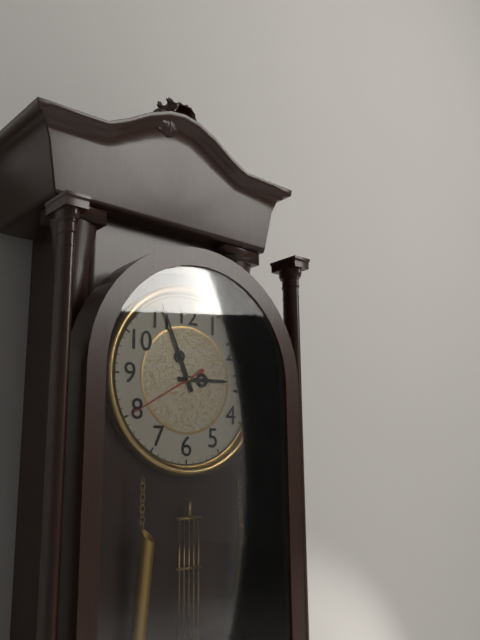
h=2 m=56 s=40
